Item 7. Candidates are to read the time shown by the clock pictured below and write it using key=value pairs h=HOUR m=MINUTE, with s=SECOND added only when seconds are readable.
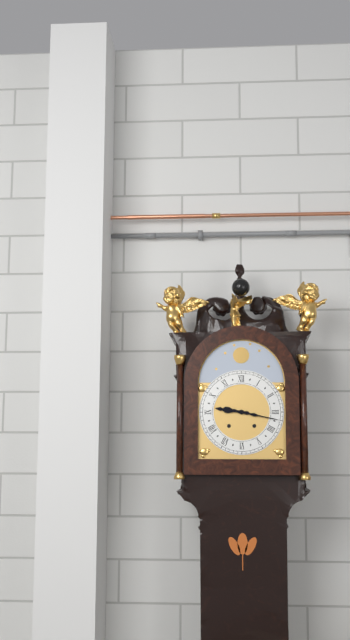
h=9 m=17
